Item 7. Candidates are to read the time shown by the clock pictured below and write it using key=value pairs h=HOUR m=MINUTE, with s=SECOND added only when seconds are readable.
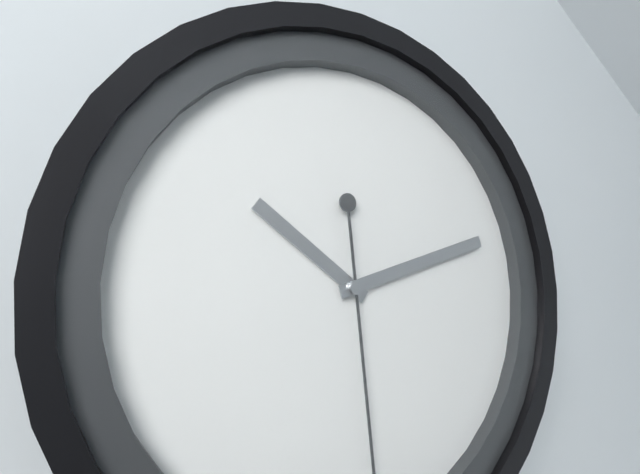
h=10 m=12
